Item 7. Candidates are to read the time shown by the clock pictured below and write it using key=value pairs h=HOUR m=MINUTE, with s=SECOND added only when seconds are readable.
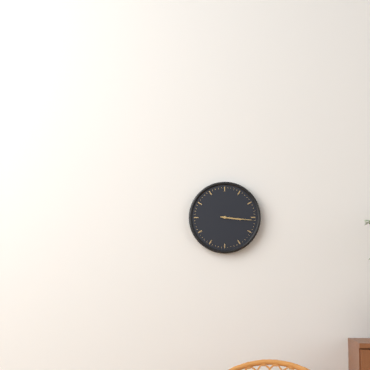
h=3 m=16
